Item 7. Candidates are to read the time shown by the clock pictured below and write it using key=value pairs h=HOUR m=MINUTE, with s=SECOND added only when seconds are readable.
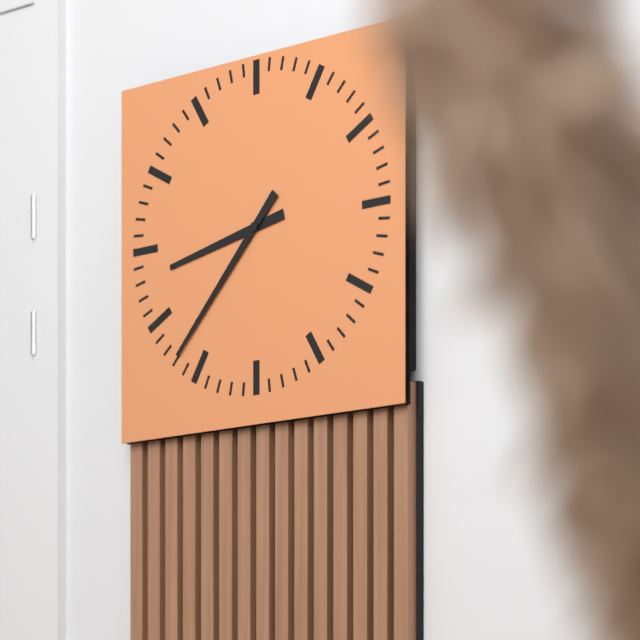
h=8 m=37
